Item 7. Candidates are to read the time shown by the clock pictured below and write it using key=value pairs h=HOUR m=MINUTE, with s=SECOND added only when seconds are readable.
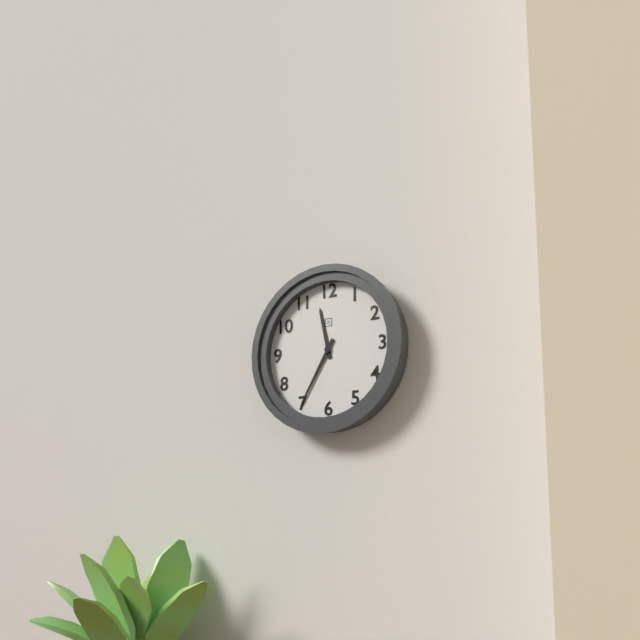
h=11 m=35
